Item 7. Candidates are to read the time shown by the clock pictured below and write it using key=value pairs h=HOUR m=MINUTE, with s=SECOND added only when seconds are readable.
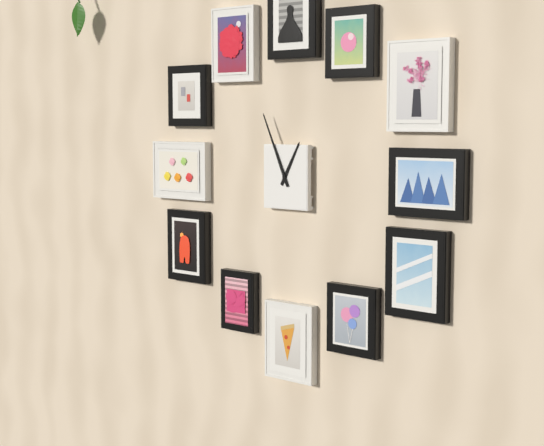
h=12 m=56
